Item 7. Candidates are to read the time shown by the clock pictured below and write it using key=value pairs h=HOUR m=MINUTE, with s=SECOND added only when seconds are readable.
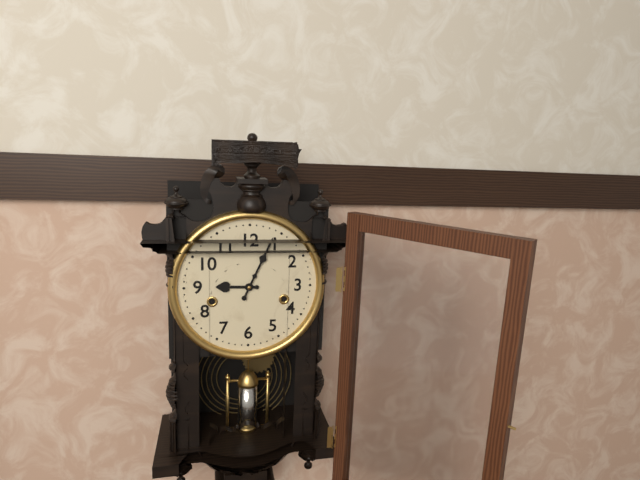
h=9 m=4
